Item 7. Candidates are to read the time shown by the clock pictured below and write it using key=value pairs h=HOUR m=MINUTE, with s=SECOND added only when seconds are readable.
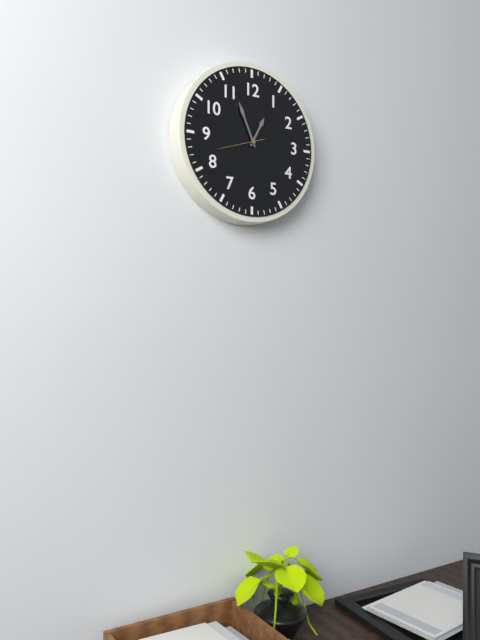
h=12 m=56
